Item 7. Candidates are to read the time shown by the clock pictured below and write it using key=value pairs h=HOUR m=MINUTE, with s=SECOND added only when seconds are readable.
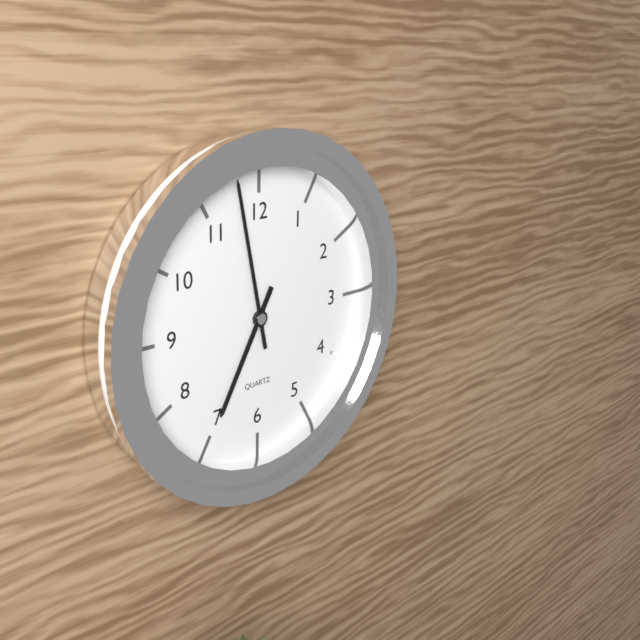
h=6 m=58
